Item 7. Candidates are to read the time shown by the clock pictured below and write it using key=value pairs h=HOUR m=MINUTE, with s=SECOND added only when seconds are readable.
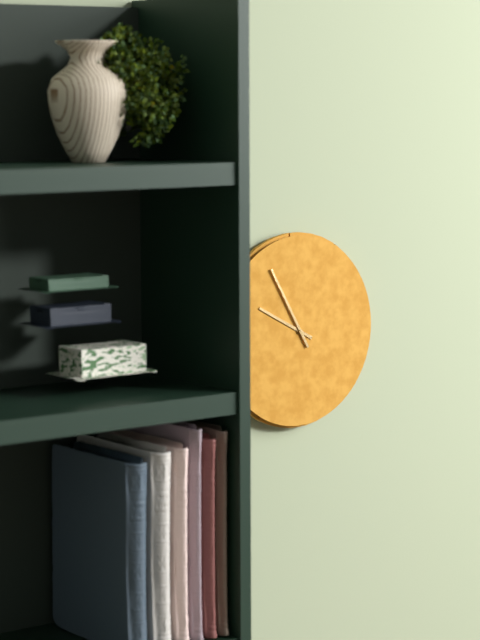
h=9 m=55
